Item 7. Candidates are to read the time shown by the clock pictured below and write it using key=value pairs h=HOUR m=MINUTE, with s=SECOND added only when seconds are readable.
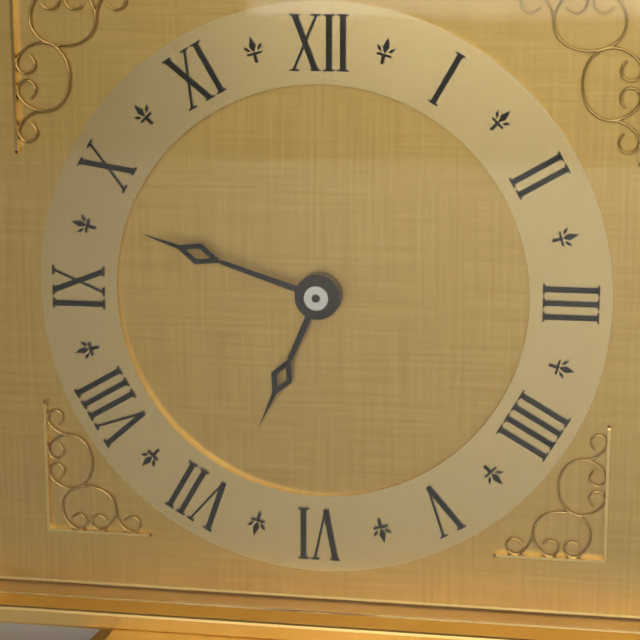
h=6 m=48
